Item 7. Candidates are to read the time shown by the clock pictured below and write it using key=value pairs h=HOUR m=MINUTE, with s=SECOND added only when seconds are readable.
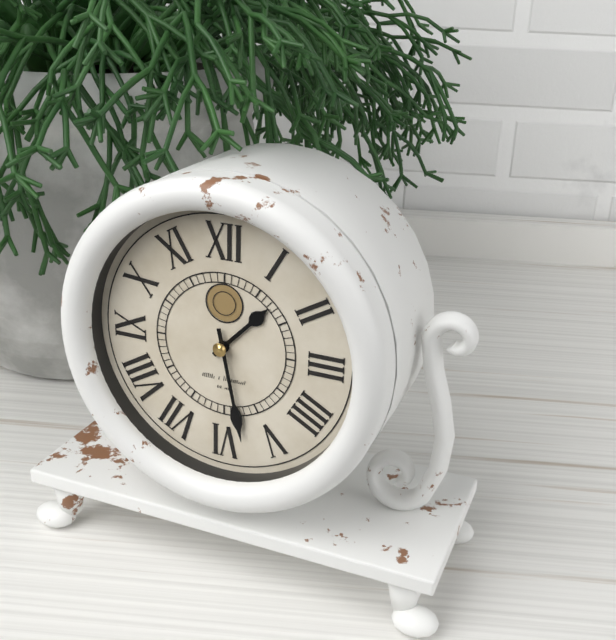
h=1 m=28
